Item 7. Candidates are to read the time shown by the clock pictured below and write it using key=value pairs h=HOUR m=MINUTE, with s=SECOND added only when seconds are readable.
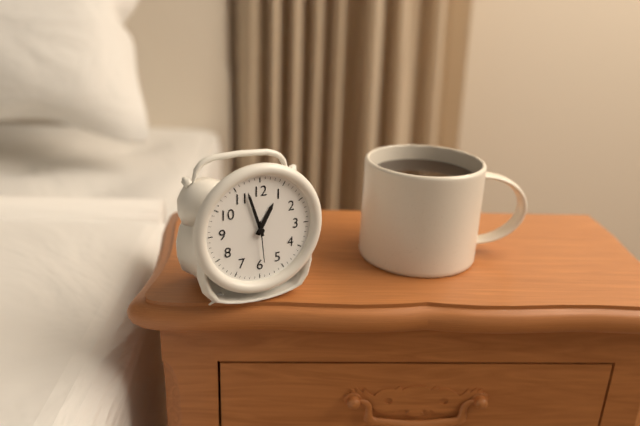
h=12 m=57
